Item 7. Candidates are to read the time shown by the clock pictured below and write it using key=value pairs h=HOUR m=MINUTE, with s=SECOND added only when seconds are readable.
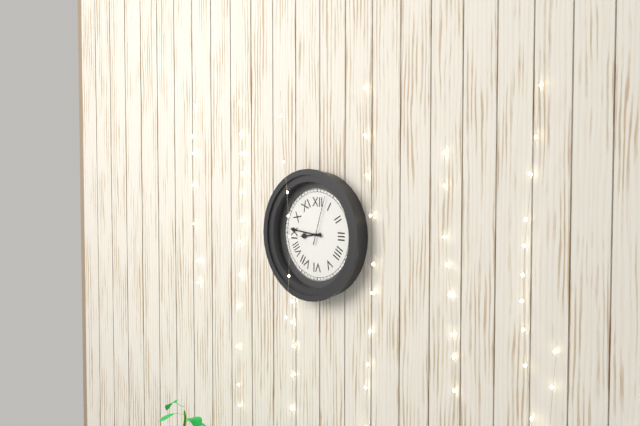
h=8 m=46
